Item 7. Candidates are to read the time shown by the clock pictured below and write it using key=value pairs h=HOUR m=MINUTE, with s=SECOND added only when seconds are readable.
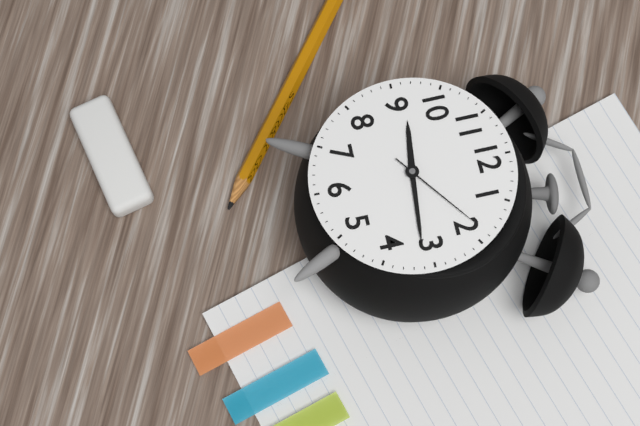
h=9 m=16 s=9
